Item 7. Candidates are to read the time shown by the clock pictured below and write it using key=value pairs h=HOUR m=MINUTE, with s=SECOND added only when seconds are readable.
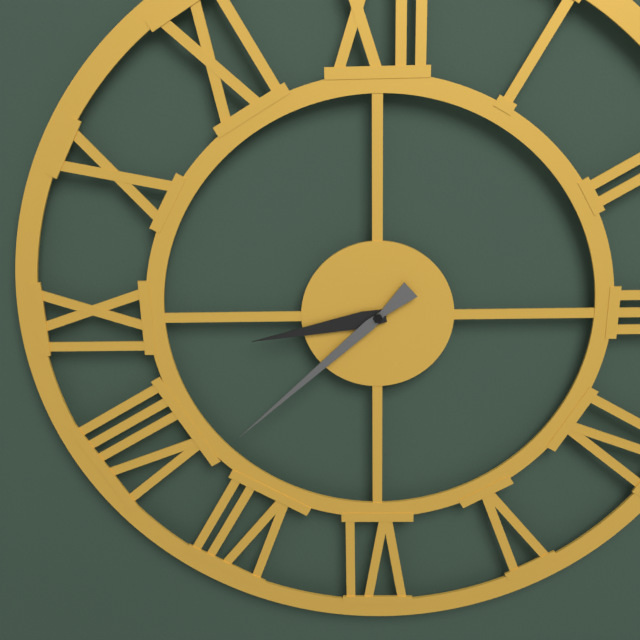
h=8 m=38
